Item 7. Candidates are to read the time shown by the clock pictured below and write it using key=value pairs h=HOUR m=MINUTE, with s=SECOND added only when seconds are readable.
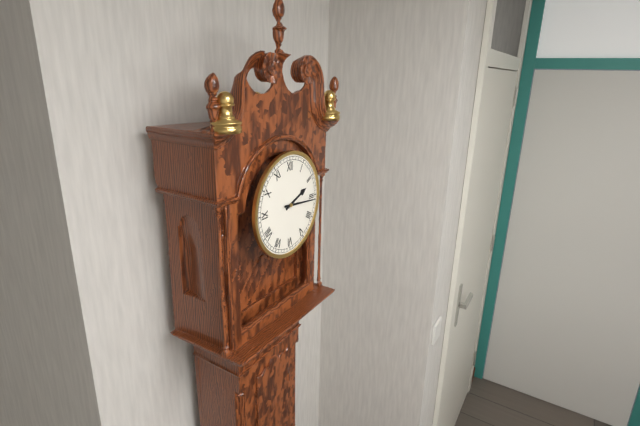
h=2 m=16
